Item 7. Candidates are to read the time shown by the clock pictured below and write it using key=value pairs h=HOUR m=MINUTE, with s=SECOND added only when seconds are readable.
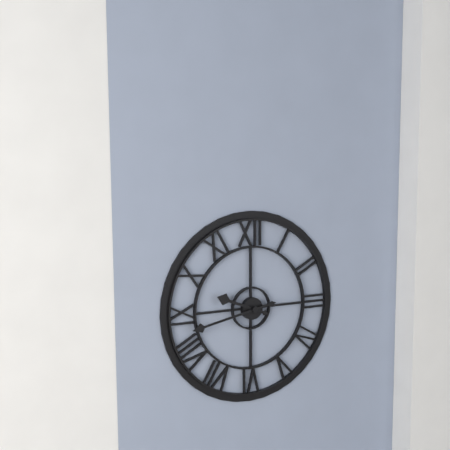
h=9 m=43
